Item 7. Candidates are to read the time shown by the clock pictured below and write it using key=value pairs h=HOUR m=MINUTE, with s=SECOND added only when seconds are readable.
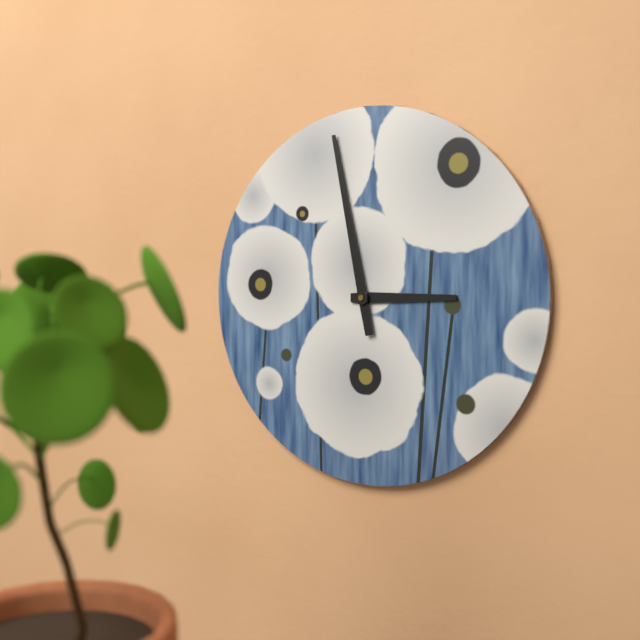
h=2 m=58
